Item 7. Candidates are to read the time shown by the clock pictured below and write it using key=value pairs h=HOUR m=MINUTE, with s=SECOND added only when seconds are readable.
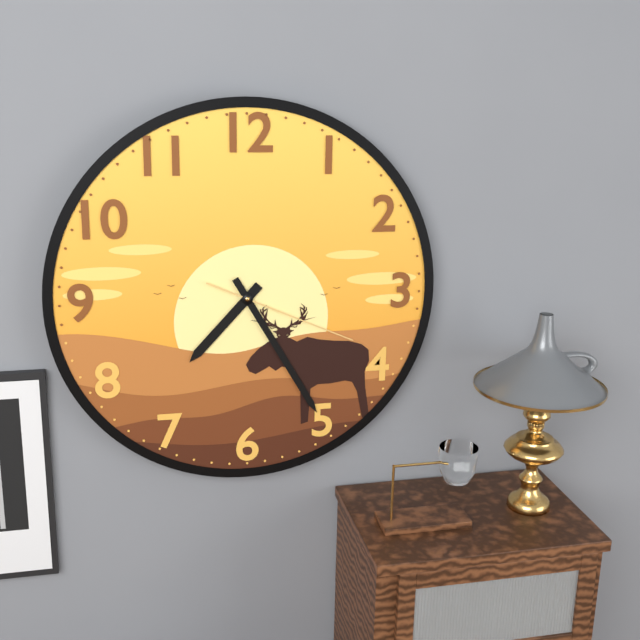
h=7 m=25 s=19
